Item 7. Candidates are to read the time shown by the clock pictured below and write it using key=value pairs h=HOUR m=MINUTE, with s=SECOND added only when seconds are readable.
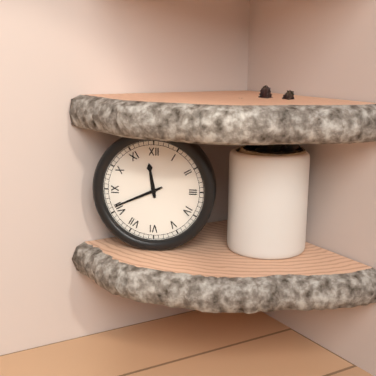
h=11 m=41
